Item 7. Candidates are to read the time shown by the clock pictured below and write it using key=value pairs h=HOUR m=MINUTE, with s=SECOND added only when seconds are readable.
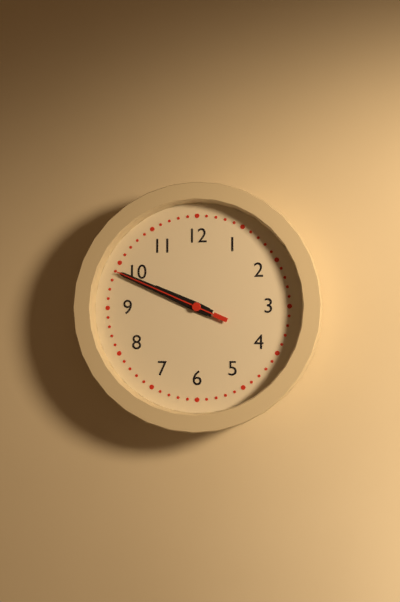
h=9 m=49 s=49
